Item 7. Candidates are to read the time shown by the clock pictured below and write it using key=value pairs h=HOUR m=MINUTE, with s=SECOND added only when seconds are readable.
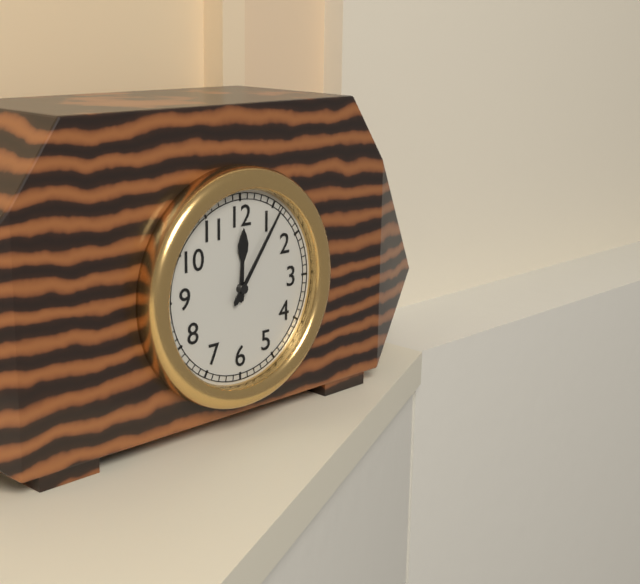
h=12 m=6
